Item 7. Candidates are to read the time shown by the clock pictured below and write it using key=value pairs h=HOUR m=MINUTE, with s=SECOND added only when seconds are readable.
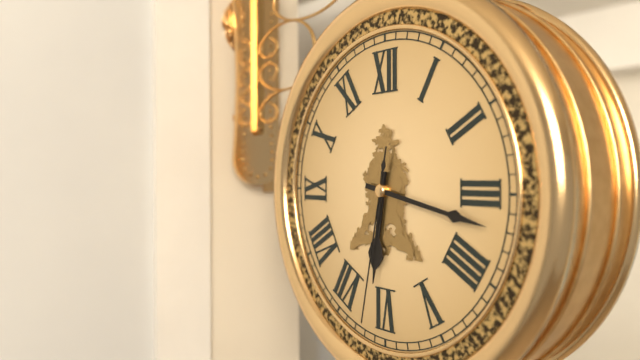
h=6 m=17 s=32
